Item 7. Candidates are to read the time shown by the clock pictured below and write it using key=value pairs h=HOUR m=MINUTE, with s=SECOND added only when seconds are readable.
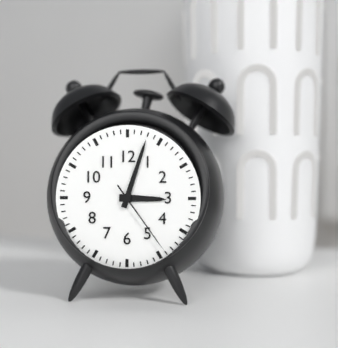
h=3 m=3 s=24
